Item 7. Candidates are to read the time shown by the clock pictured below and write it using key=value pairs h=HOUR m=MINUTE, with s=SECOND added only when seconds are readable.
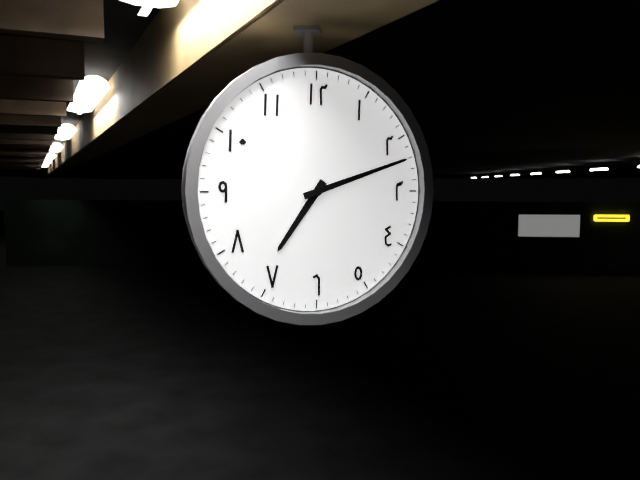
h=7 m=12
